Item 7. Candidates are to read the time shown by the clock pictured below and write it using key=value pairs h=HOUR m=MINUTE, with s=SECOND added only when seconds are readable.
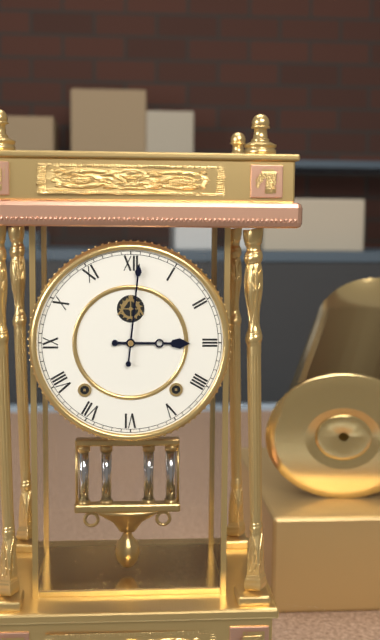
h=3 m=1
